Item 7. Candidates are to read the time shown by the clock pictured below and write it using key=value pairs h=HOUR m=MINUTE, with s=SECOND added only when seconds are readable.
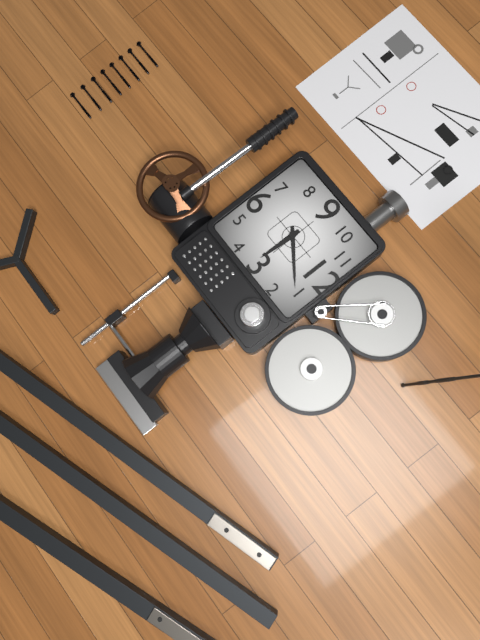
h=3 m=6
